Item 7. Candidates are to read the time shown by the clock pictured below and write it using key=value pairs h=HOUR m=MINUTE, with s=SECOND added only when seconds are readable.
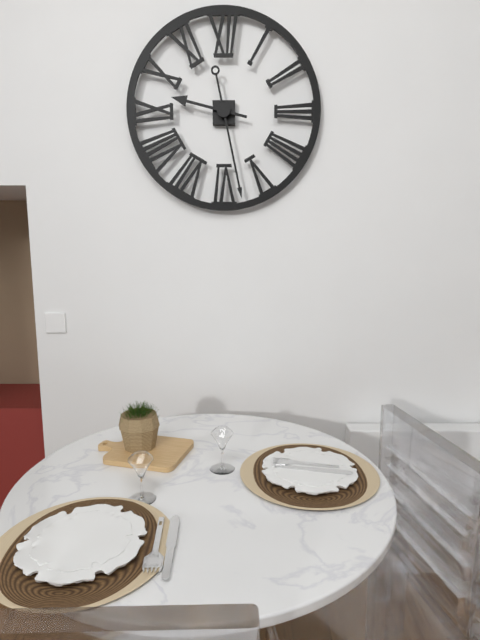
h=9 m=28
